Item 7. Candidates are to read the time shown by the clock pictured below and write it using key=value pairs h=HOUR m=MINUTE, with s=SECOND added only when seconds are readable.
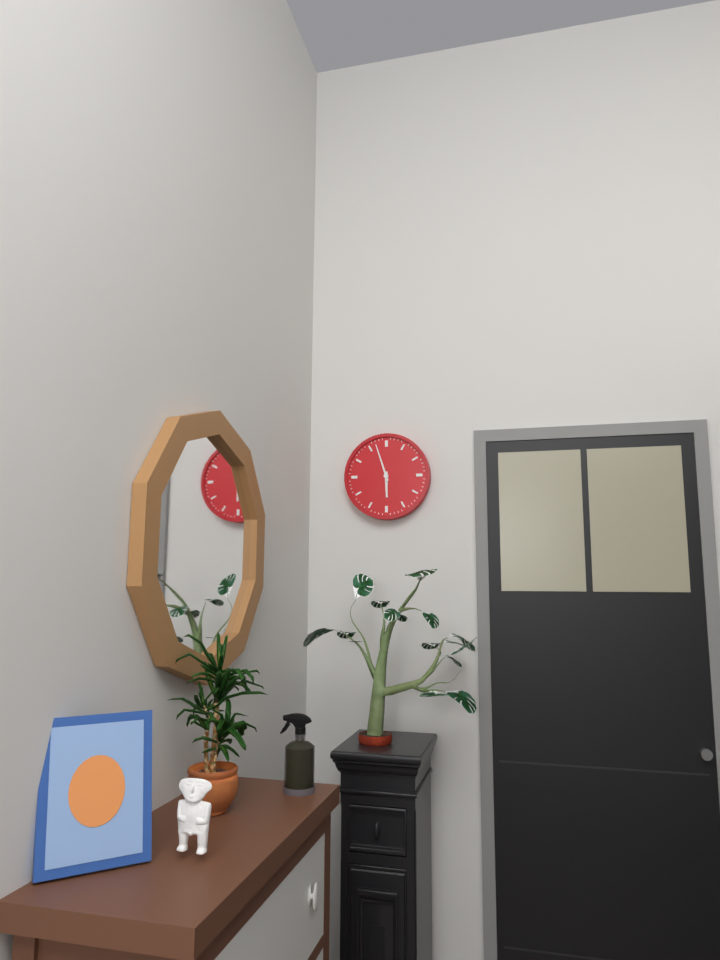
h=5 m=57
